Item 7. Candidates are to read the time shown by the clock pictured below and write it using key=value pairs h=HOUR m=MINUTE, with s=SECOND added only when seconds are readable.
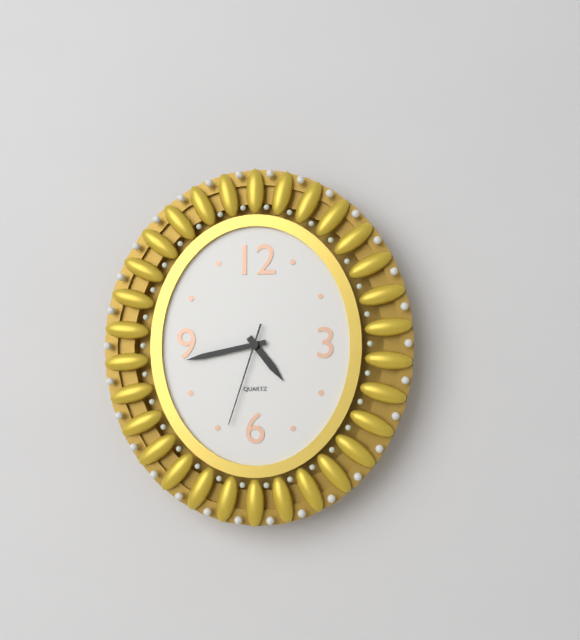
h=4 m=43 s=33
